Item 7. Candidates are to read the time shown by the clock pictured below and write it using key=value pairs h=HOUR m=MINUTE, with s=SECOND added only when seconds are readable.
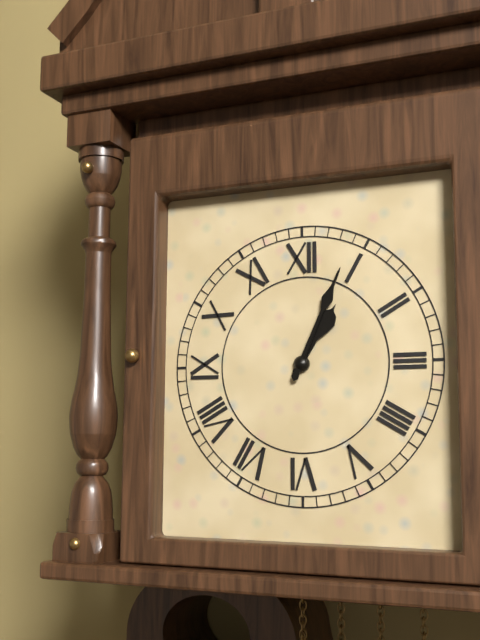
h=1 m=4
